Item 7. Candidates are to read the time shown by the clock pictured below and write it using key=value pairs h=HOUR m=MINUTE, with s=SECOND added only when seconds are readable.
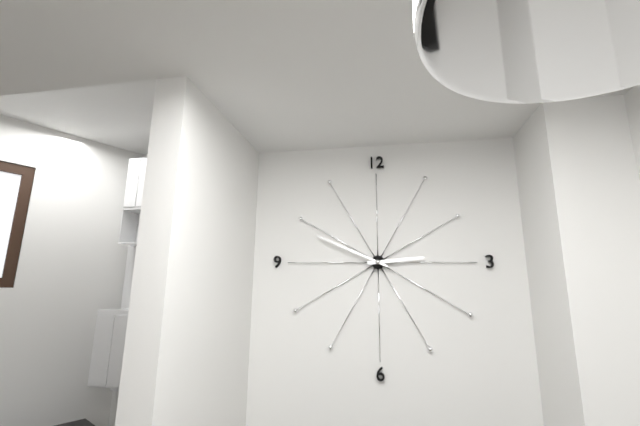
h=2 m=49
